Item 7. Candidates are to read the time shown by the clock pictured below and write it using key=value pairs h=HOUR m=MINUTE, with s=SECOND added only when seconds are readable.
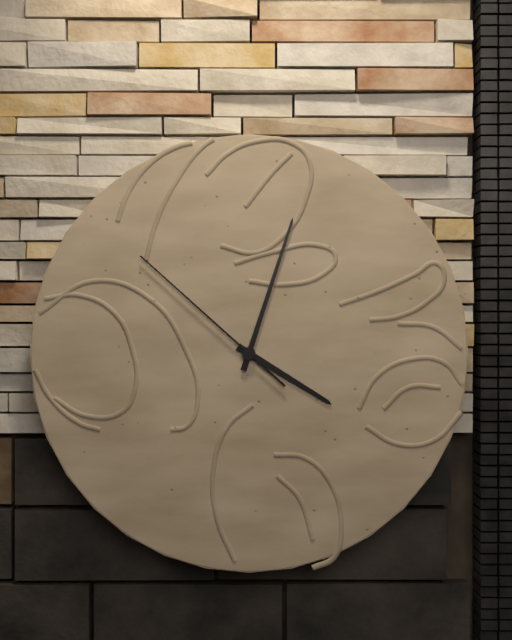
h=4 m=3 s=52
